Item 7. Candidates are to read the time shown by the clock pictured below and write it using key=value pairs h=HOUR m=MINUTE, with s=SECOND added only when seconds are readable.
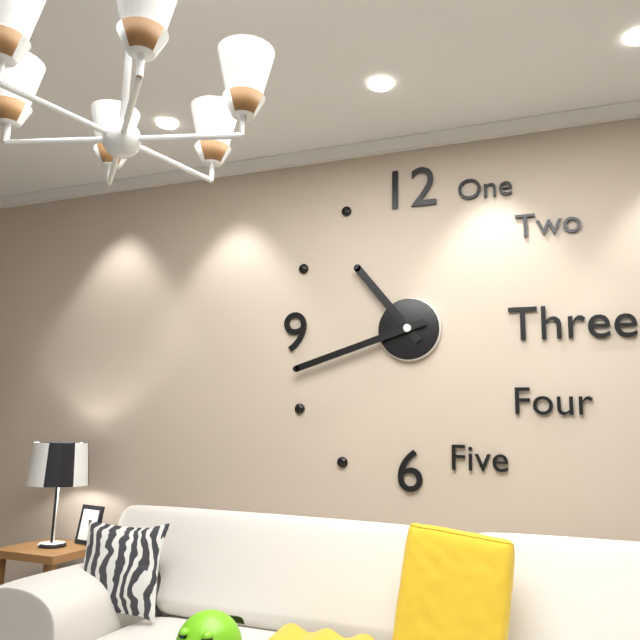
h=10 m=42
